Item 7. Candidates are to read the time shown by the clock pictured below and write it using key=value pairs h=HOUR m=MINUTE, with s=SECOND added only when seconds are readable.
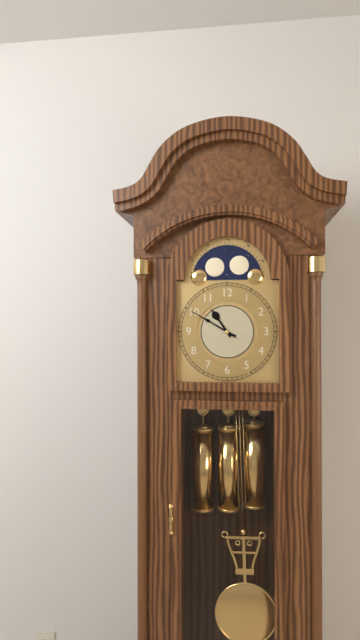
h=10 m=50
